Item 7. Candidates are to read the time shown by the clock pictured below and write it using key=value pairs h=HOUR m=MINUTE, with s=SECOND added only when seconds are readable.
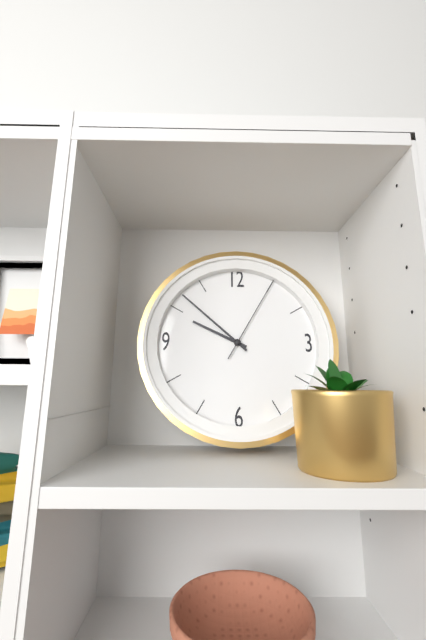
h=9 m=52 s=5
